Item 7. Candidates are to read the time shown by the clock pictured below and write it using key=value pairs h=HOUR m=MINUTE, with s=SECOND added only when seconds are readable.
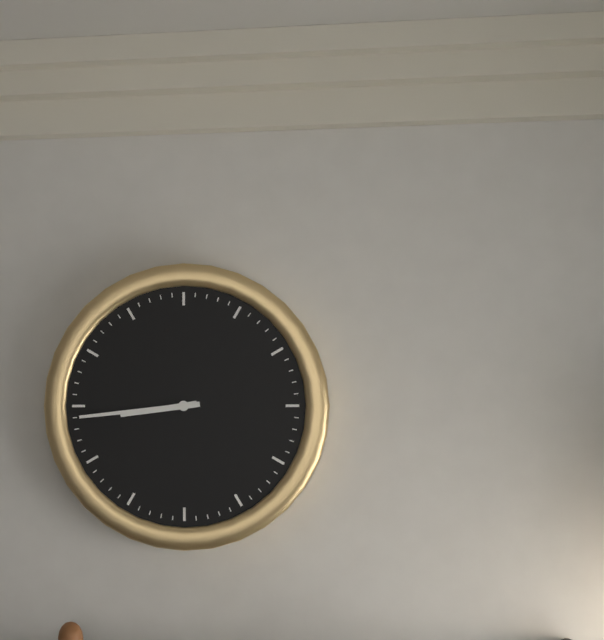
h=8 m=44
